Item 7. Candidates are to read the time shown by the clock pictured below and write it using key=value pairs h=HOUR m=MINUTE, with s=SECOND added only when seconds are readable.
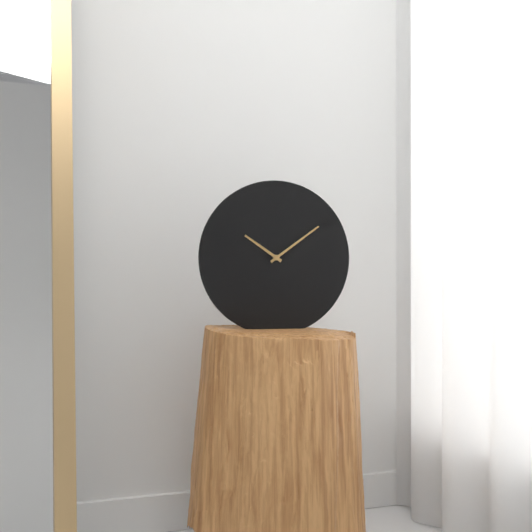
h=10 m=9
